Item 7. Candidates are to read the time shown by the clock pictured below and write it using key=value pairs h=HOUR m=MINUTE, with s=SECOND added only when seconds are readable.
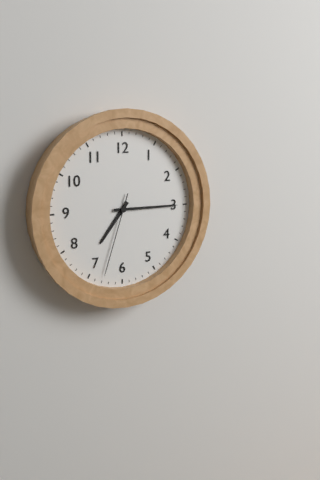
h=7 m=15 s=33
